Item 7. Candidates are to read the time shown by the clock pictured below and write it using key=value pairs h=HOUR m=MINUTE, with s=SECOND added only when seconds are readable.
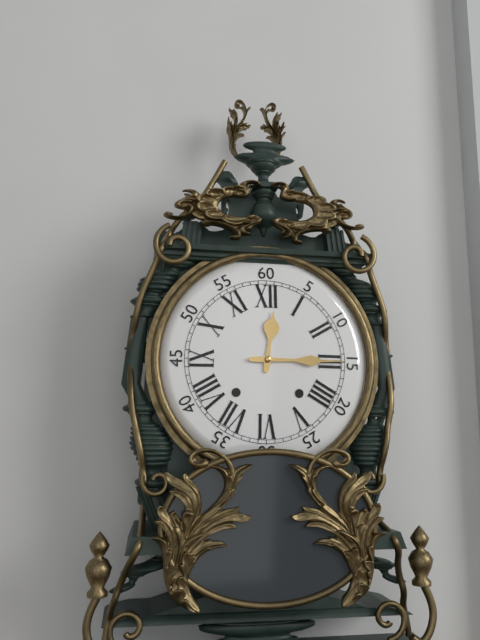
h=12 m=15
